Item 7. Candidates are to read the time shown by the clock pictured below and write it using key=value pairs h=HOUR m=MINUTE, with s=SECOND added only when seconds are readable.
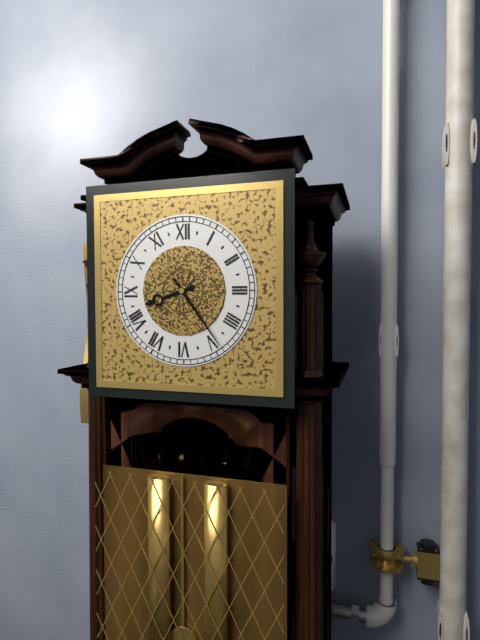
h=8 m=24
